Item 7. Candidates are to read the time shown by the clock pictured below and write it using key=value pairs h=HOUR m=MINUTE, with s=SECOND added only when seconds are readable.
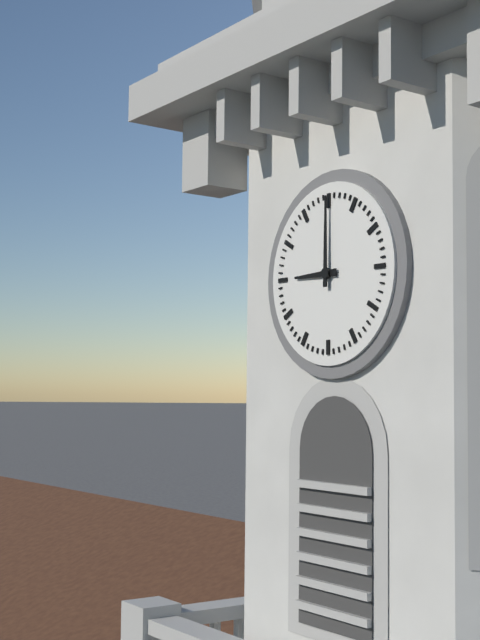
h=9 m=0
